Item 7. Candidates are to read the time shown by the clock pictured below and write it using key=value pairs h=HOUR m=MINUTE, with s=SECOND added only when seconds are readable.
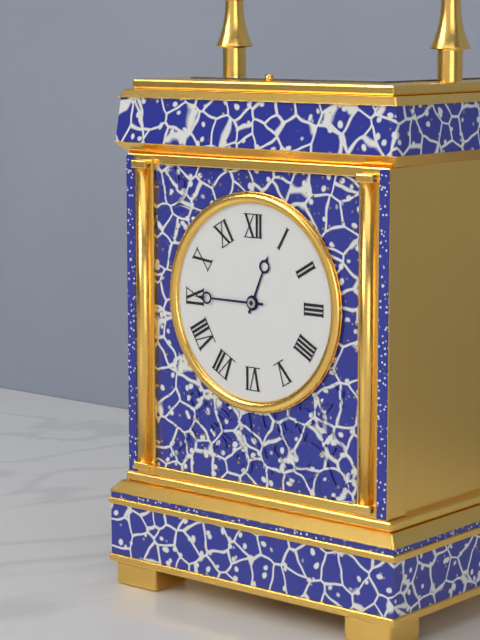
h=12 m=45
